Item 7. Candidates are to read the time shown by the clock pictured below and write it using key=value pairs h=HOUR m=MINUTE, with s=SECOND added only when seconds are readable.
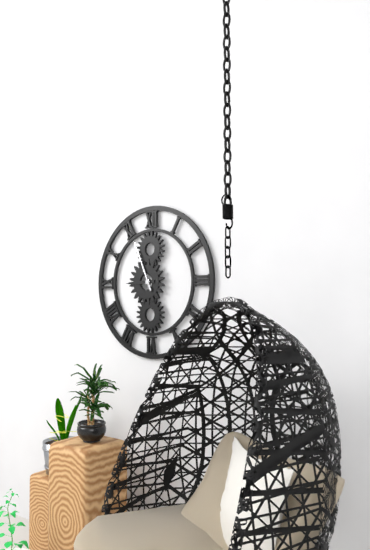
h=8 m=56
